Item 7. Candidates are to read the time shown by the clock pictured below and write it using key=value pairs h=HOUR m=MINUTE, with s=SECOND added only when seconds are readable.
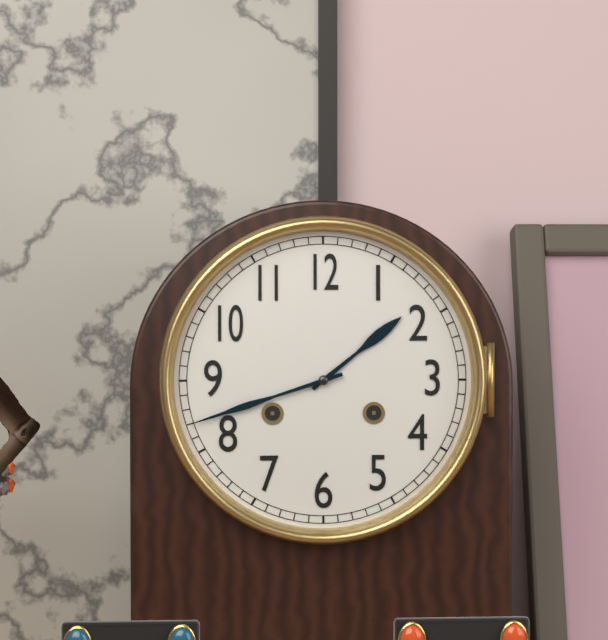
h=1 m=42
